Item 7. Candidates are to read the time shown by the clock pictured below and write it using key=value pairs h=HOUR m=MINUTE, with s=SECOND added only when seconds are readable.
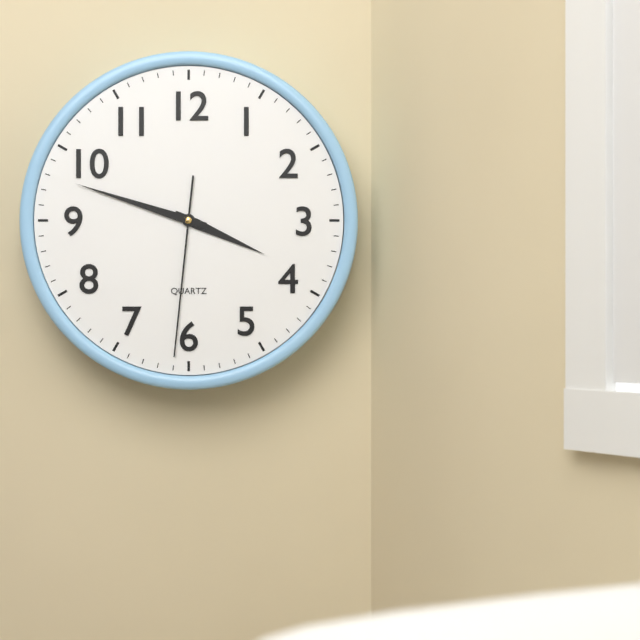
h=3 m=48 s=31
